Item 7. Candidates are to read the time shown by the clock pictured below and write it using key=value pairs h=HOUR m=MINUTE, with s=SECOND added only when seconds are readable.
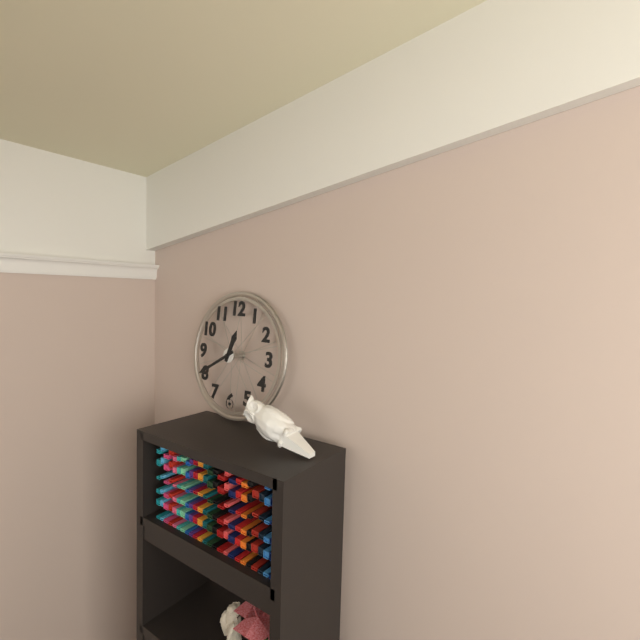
h=12 m=40
